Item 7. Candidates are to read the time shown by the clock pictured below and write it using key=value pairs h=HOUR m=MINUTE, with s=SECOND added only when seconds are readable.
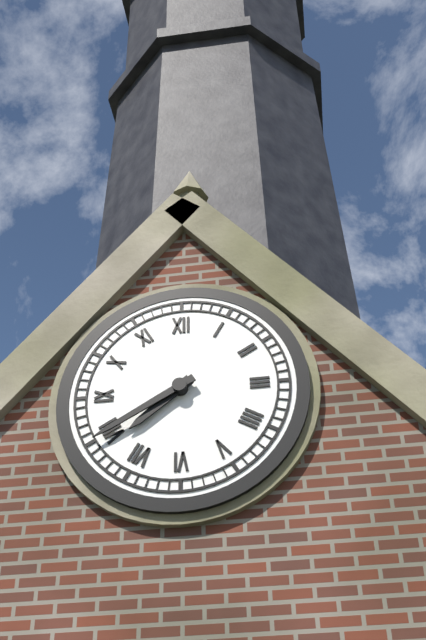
h=7 m=40
